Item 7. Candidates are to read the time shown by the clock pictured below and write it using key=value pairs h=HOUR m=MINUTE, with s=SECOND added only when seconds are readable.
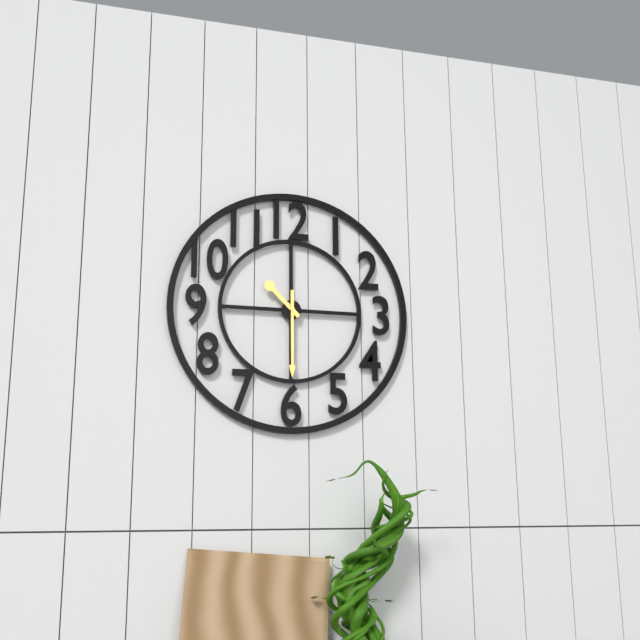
h=10 m=30
